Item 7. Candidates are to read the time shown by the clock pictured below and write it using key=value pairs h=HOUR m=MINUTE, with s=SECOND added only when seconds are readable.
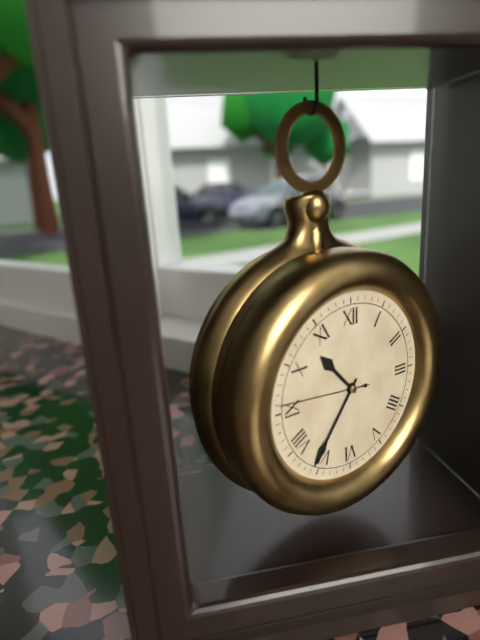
h=10 m=36 s=46
